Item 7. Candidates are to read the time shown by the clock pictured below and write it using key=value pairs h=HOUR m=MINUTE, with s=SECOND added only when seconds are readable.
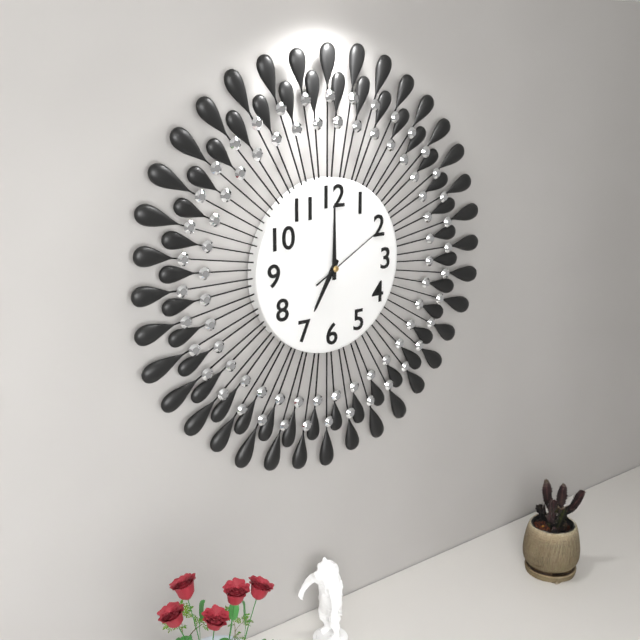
h=7 m=0 s=10
